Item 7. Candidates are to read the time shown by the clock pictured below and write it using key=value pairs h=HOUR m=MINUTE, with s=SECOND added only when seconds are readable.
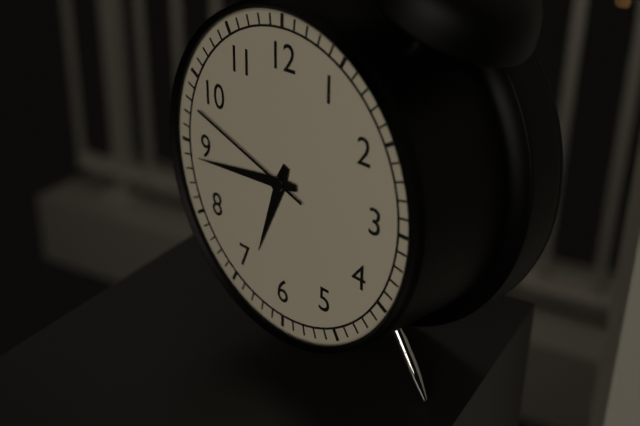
h=6 m=44 s=48
